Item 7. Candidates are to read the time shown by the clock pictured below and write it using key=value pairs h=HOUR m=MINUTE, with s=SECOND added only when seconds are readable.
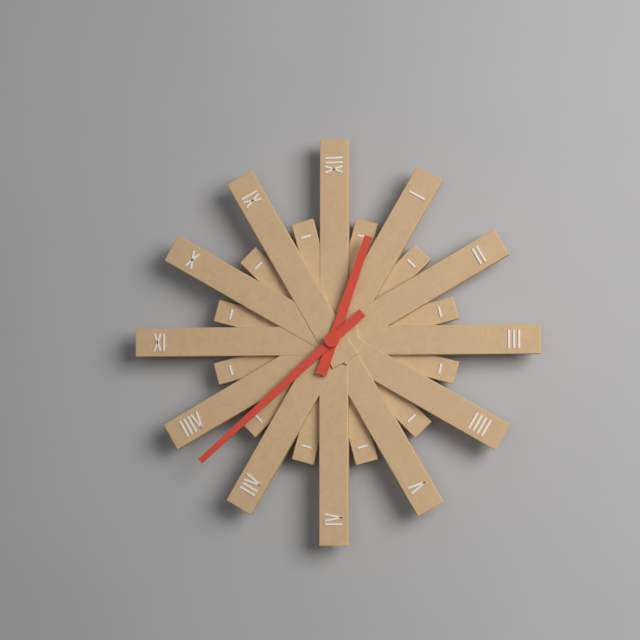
h=12 m=38
